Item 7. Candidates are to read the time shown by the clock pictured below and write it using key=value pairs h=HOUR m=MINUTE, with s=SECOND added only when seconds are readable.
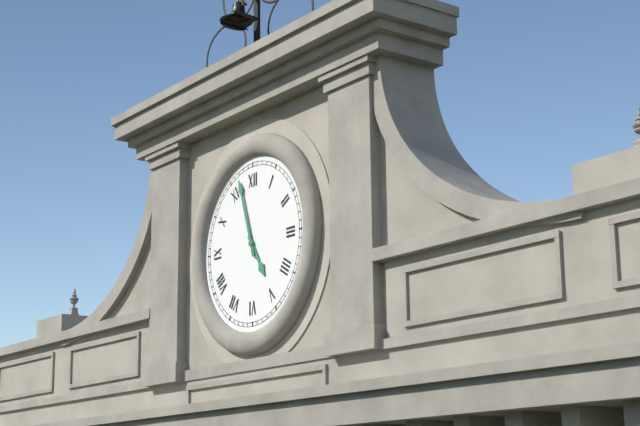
h=4 m=57
